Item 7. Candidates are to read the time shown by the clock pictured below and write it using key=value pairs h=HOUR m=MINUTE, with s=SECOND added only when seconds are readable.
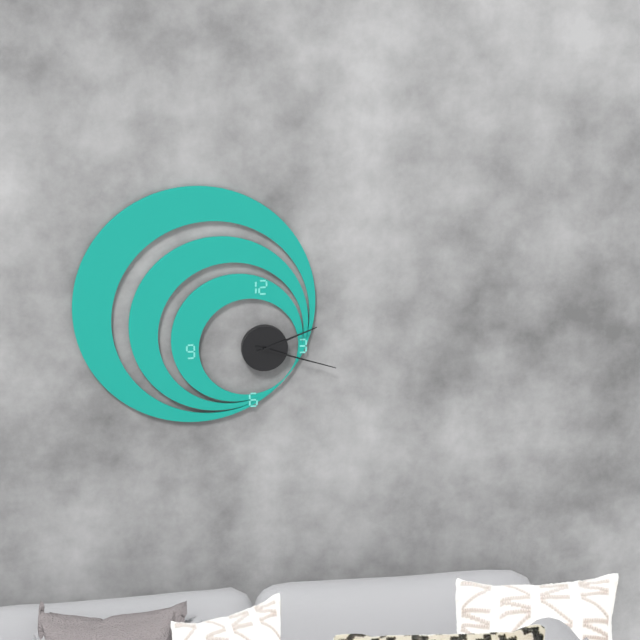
h=2 m=18
